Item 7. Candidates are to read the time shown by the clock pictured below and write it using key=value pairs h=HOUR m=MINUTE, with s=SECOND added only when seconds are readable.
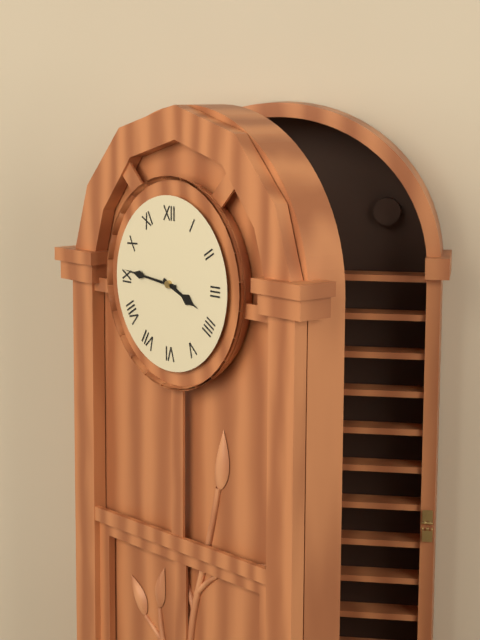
h=3 m=46
